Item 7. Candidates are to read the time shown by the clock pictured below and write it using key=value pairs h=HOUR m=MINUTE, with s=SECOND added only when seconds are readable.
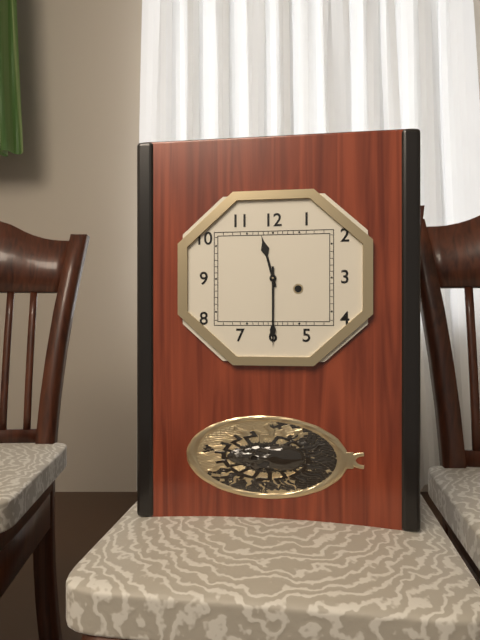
h=11 m=30
